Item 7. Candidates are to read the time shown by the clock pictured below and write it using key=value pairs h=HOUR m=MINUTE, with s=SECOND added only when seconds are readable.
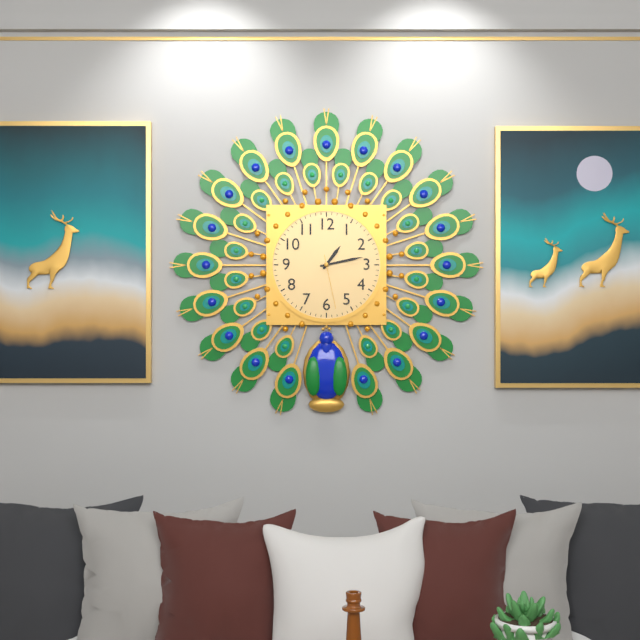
h=1 m=13 s=28
